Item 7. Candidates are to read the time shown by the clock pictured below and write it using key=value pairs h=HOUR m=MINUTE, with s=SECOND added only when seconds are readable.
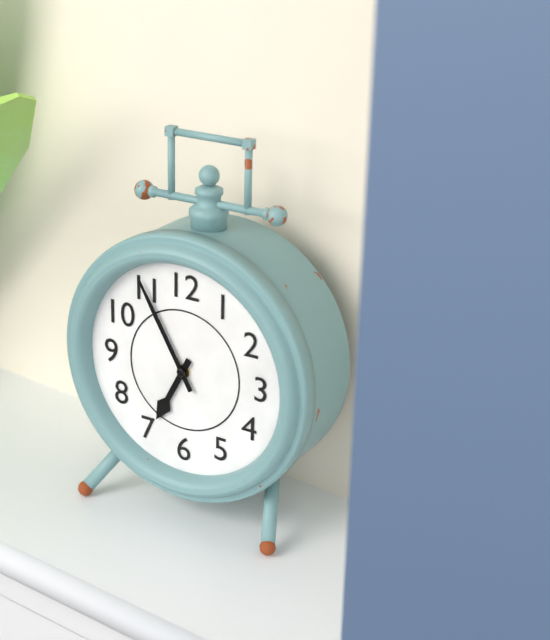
h=6 m=55
